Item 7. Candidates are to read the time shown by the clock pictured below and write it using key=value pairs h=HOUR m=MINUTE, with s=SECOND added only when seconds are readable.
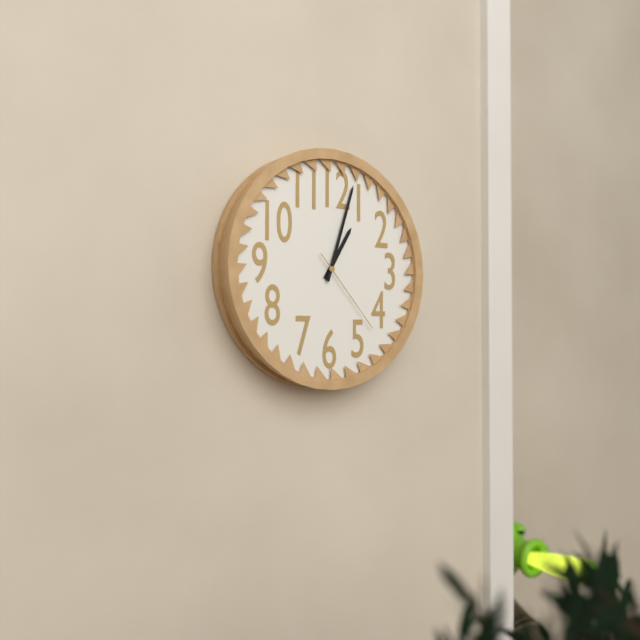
h=1 m=3 s=23
